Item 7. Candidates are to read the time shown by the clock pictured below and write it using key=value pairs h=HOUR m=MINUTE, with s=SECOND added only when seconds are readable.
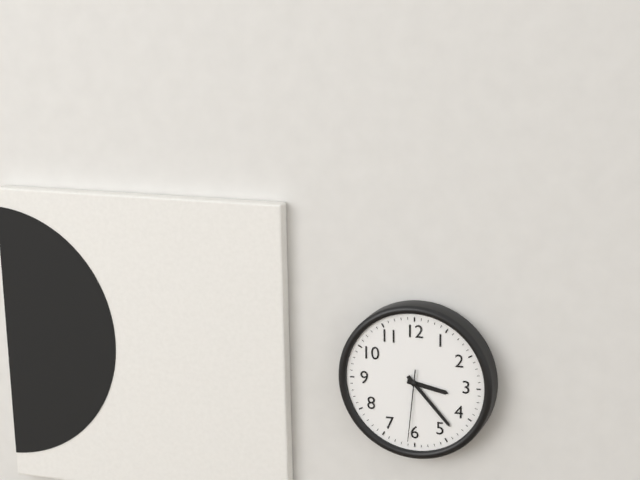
h=3 m=23 s=31
